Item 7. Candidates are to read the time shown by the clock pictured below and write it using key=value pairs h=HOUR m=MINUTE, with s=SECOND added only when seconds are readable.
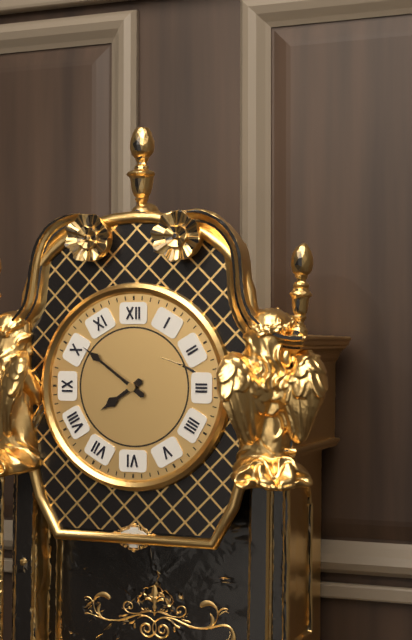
h=7 m=51
